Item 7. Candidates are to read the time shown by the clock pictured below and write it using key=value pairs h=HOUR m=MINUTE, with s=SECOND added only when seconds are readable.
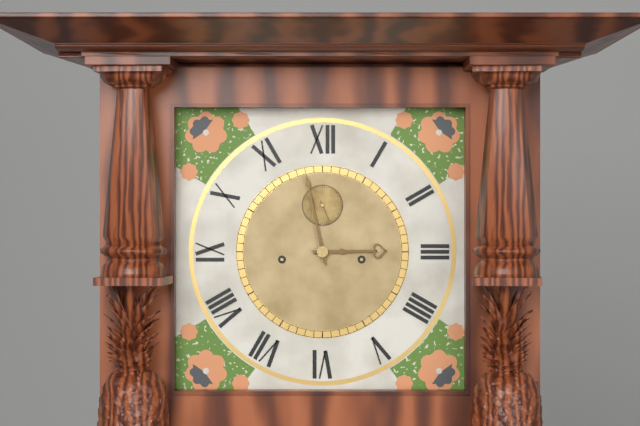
h=2 m=58
